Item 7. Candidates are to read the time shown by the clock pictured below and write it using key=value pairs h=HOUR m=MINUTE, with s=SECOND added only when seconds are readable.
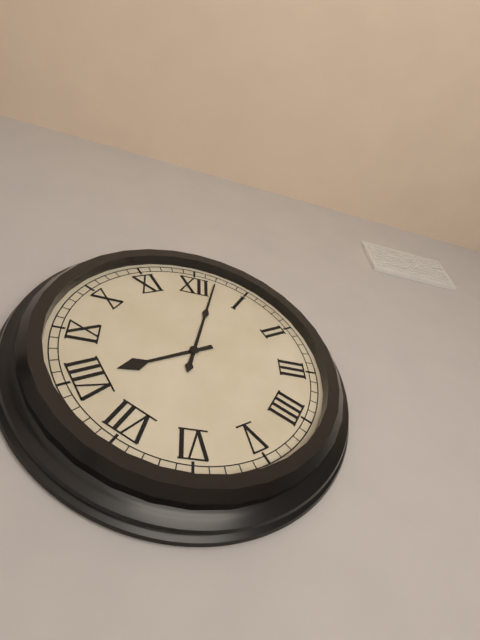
h=8 m=2
